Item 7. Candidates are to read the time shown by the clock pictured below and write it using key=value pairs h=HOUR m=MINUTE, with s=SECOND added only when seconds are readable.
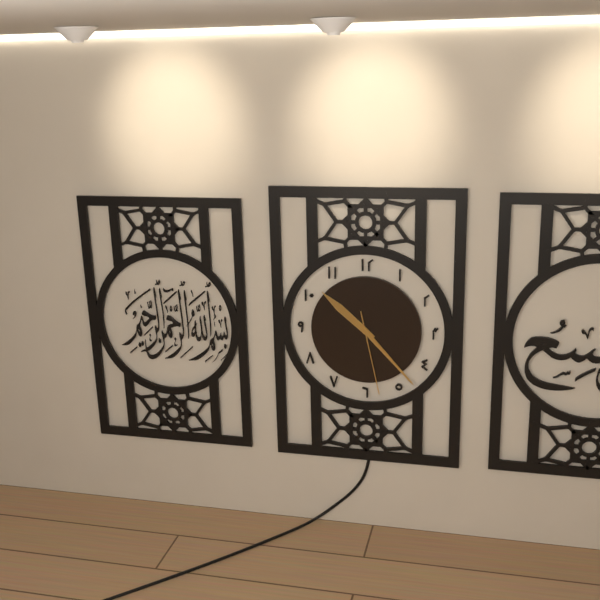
h=10 m=23 s=28
